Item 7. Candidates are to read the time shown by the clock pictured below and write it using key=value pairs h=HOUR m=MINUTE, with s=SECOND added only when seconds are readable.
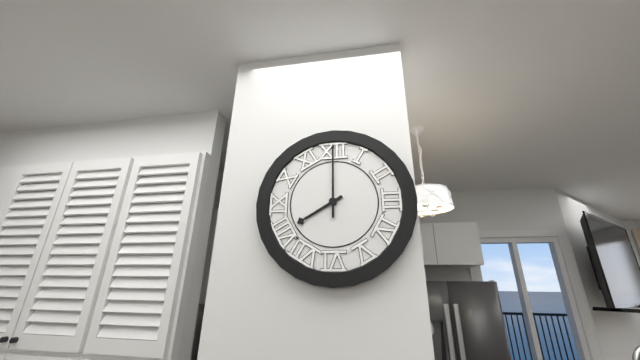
h=8 m=0
